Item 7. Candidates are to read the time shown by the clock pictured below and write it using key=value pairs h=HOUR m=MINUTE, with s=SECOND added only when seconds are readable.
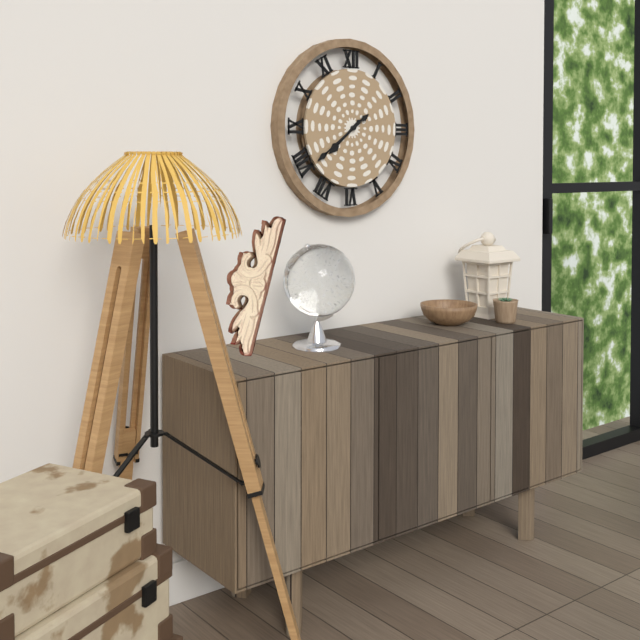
h=7 m=39
